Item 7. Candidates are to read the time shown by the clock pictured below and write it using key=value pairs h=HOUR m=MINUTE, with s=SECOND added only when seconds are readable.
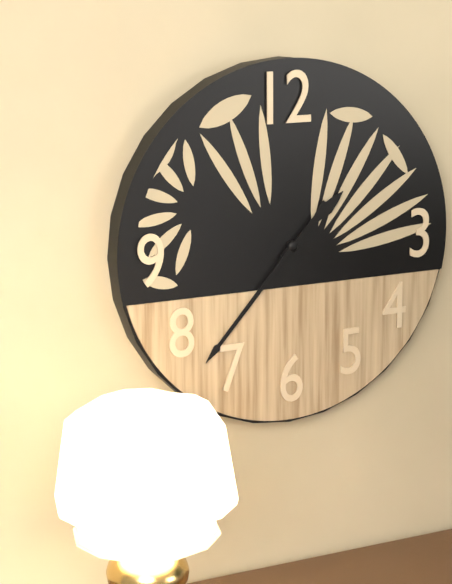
h=1 m=37
